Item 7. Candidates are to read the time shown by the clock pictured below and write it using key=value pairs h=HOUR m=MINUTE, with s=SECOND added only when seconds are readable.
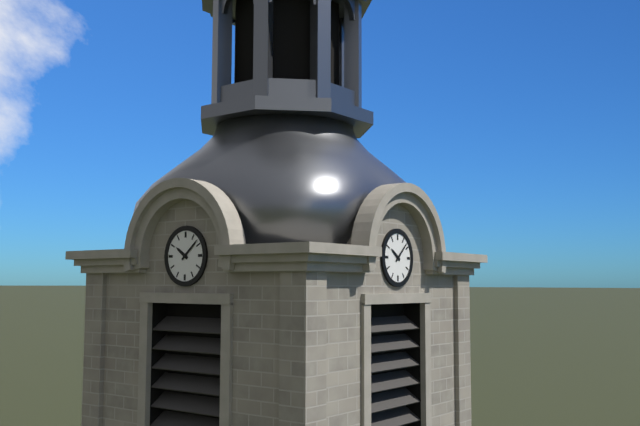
h=10 m=8
